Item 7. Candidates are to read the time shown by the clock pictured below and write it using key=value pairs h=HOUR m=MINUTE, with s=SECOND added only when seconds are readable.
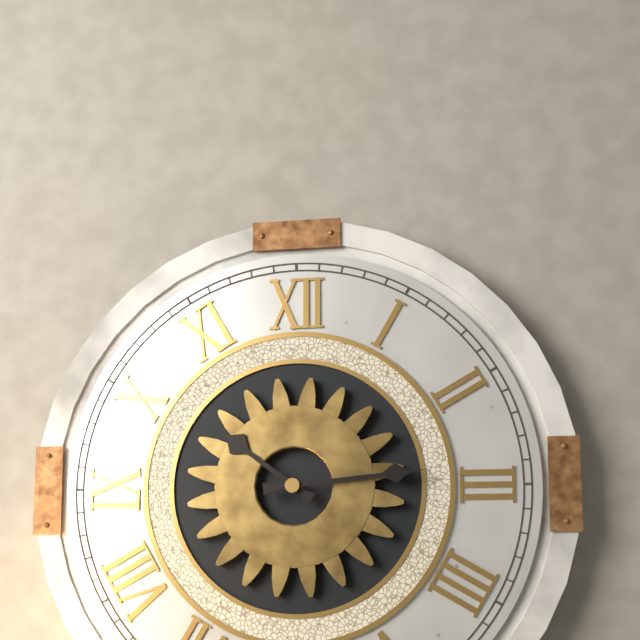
h=10 m=14
